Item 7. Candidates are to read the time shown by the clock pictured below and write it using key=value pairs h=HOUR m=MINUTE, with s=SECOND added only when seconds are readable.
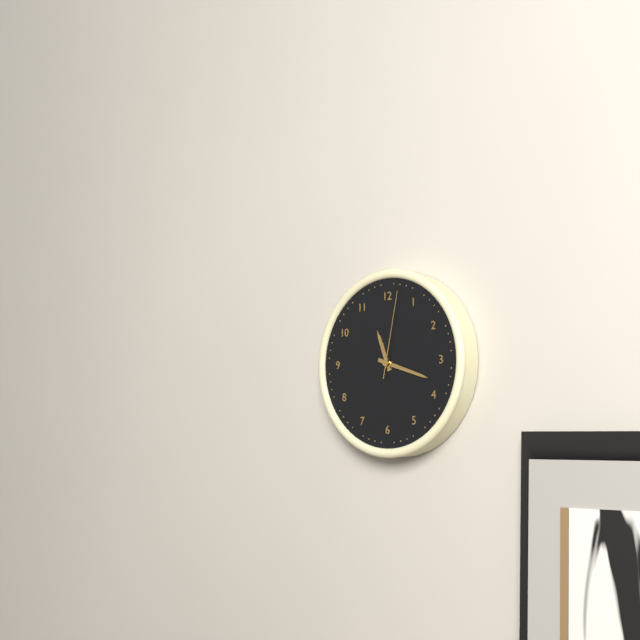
h=11 m=18 s=2
